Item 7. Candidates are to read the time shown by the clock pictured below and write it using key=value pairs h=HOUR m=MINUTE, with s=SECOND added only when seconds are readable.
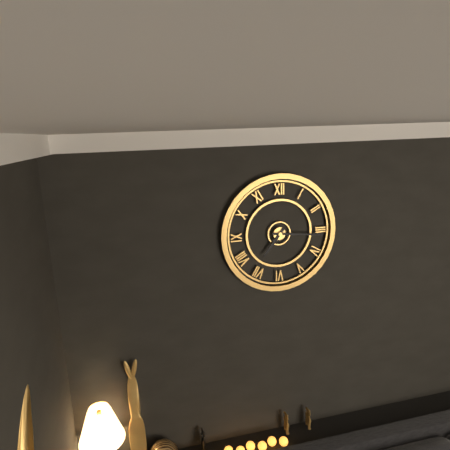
h=7 m=16
